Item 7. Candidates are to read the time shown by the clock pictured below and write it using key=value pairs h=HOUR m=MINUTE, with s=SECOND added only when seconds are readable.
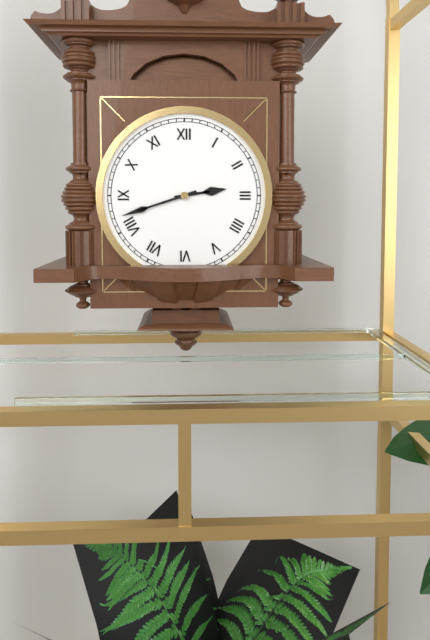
h=2 m=42
